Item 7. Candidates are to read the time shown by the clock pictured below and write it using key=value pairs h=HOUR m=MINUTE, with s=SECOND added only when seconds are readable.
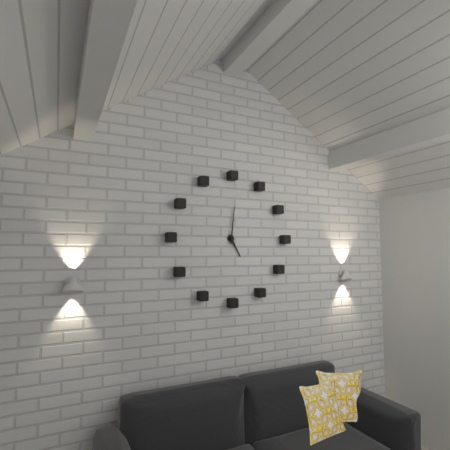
h=5 m=1
